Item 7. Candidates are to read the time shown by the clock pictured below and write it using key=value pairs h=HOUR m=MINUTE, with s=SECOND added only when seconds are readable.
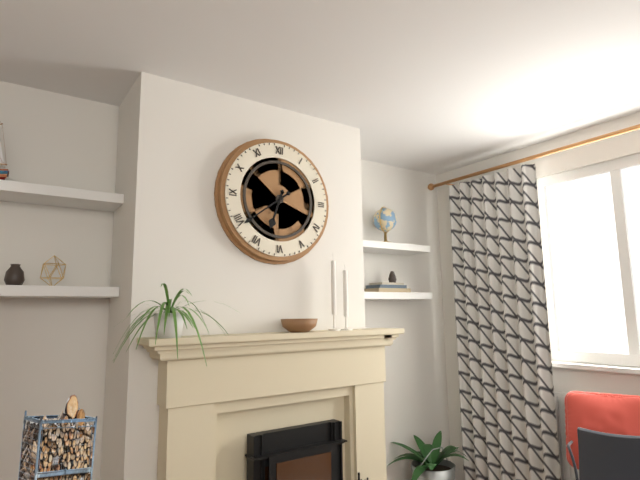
h=6 m=39
